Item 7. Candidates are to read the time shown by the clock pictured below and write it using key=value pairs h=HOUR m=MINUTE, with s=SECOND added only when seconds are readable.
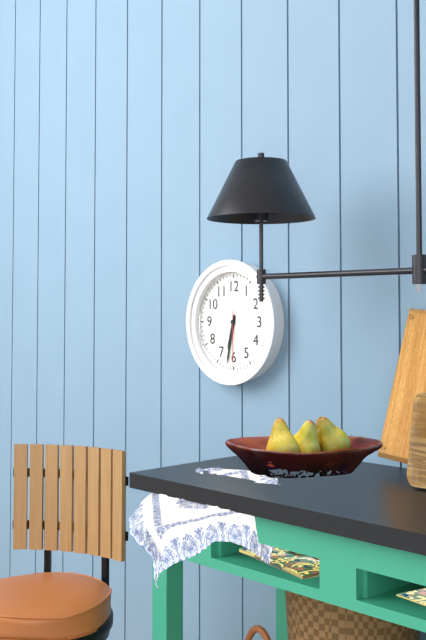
h=6 m=32 s=30
